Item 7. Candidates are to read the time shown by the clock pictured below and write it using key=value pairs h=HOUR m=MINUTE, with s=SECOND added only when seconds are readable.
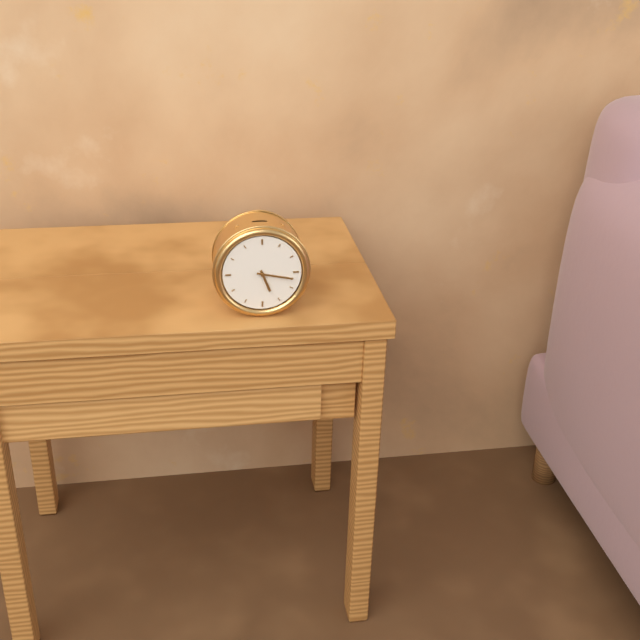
h=5 m=17
